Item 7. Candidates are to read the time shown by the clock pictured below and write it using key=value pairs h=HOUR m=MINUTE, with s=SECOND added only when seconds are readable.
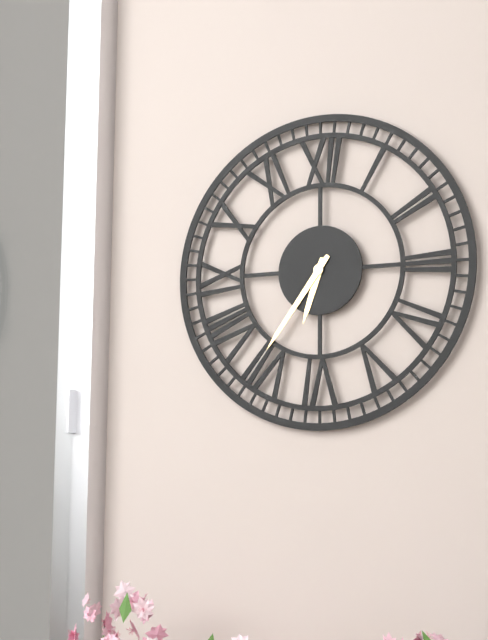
h=6 m=36
